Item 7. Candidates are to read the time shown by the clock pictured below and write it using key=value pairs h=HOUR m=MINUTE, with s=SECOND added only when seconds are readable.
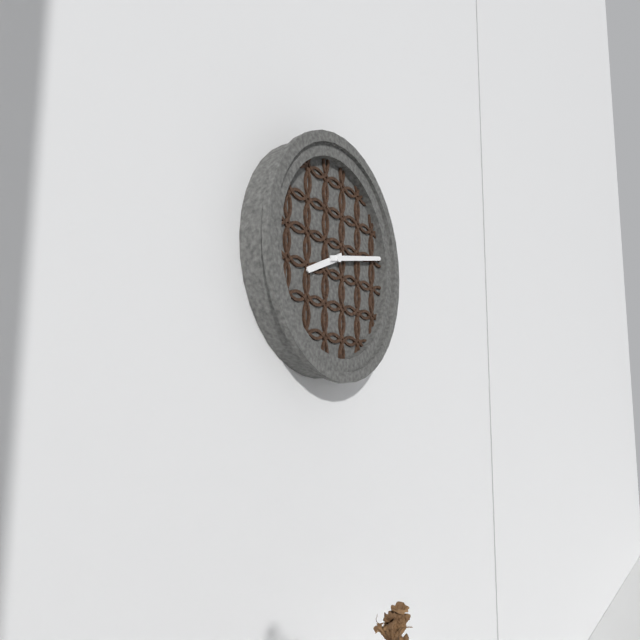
h=8 m=13
